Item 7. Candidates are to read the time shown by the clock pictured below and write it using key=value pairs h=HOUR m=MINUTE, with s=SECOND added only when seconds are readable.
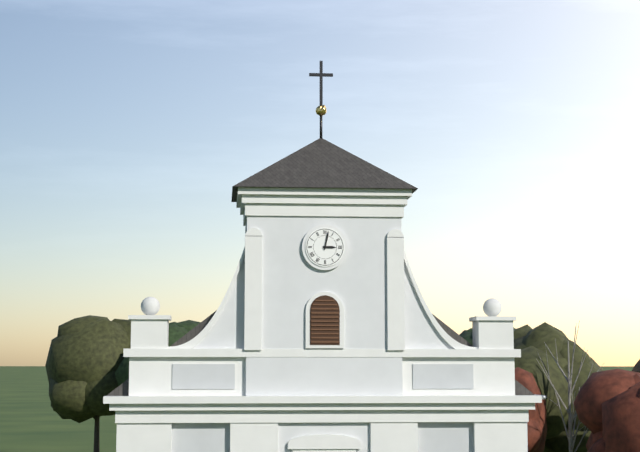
h=3 m=2
